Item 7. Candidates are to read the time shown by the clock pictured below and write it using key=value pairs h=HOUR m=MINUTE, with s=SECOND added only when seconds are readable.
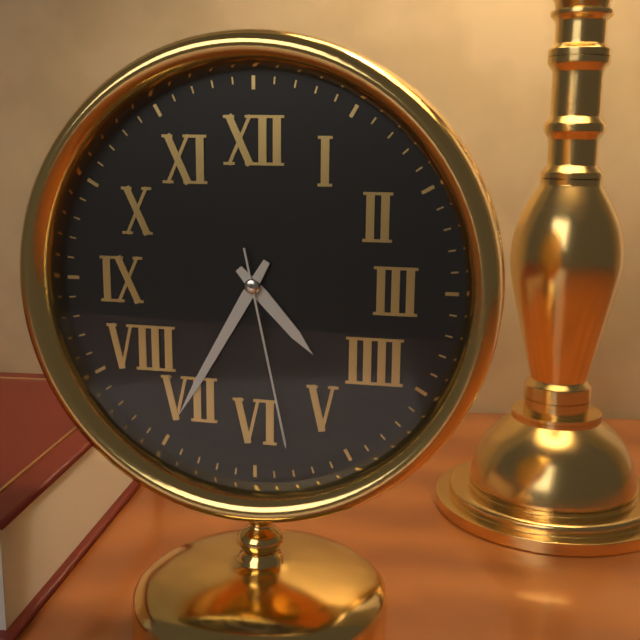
h=4 m=35 s=28
